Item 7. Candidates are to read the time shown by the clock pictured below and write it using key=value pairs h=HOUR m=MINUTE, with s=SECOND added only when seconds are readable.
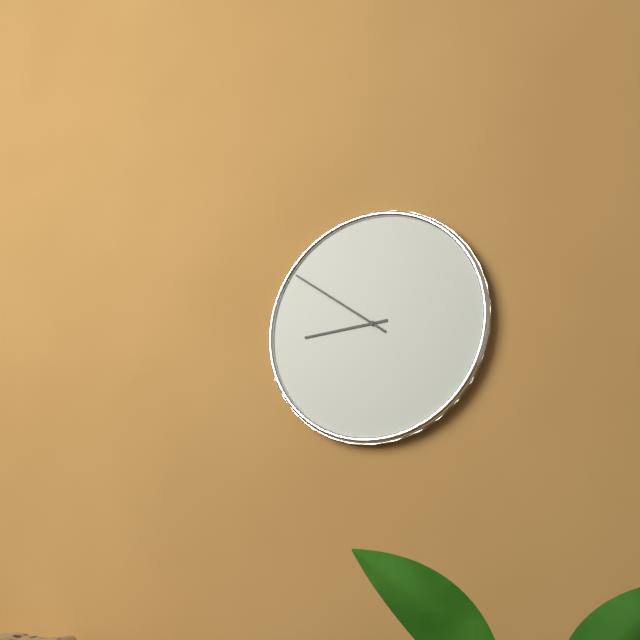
h=8 m=51
